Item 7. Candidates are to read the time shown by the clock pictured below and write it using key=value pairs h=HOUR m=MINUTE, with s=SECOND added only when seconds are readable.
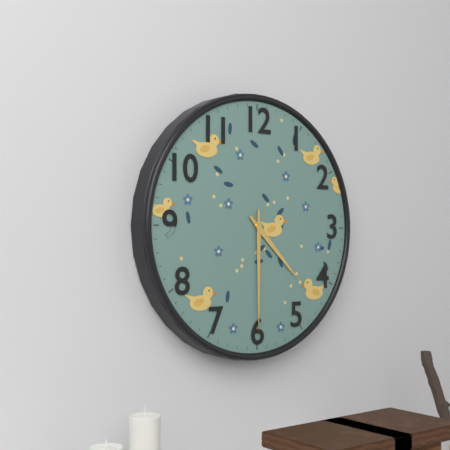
h=4 m=30
